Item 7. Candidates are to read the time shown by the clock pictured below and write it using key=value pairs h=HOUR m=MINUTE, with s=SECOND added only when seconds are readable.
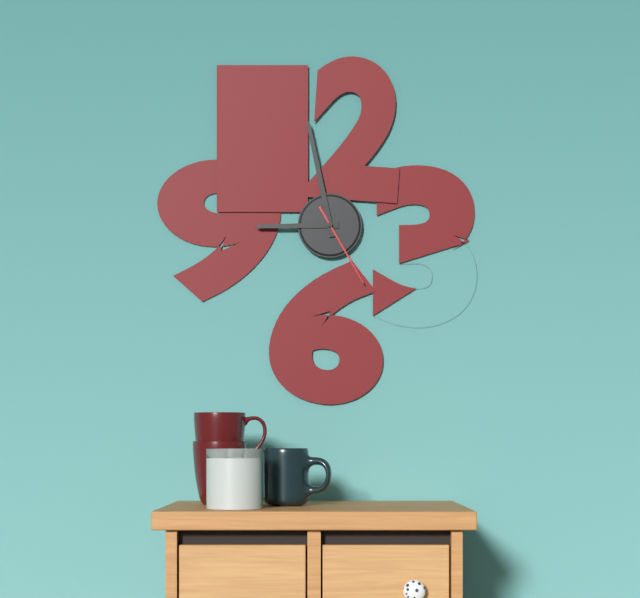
h=8 m=58 s=25
